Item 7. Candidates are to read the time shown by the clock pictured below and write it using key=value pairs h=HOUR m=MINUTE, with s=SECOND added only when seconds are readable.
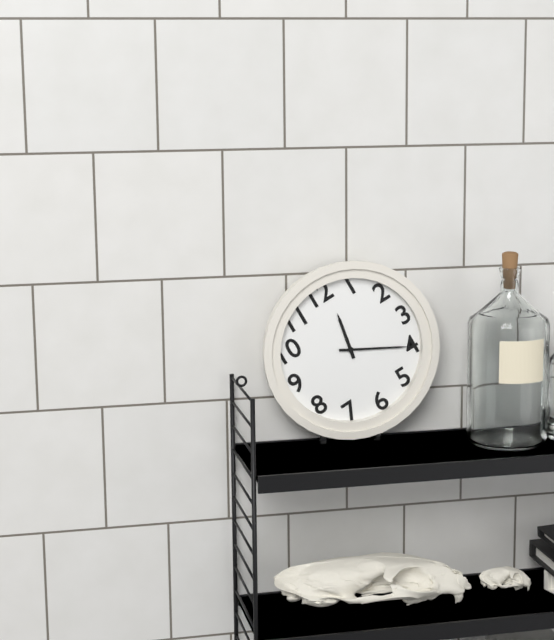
h=12 m=20
